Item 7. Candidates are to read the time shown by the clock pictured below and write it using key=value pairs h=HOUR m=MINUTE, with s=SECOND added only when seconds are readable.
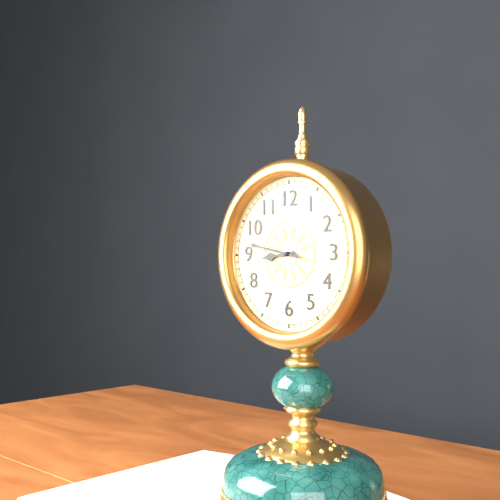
h=8 m=47
